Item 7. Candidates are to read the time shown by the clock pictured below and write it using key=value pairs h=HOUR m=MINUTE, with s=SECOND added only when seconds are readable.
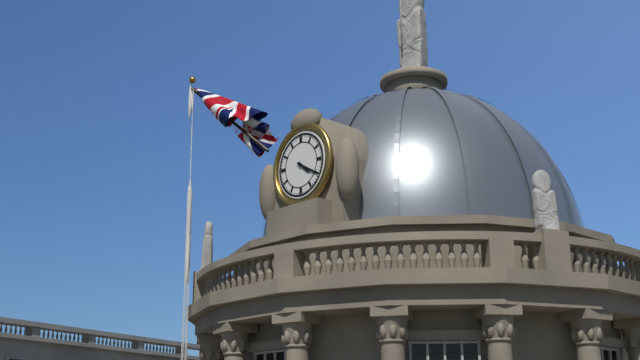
h=4 m=20
